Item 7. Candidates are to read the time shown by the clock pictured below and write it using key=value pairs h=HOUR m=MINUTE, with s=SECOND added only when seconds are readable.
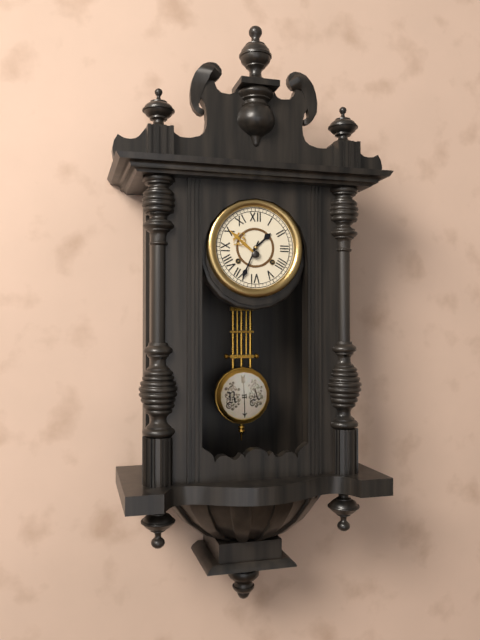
h=1 m=34
